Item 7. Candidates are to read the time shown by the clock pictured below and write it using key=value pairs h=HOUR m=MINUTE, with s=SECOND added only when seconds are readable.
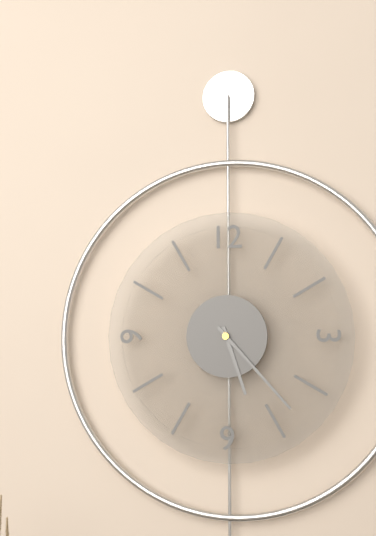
h=5 m=23
